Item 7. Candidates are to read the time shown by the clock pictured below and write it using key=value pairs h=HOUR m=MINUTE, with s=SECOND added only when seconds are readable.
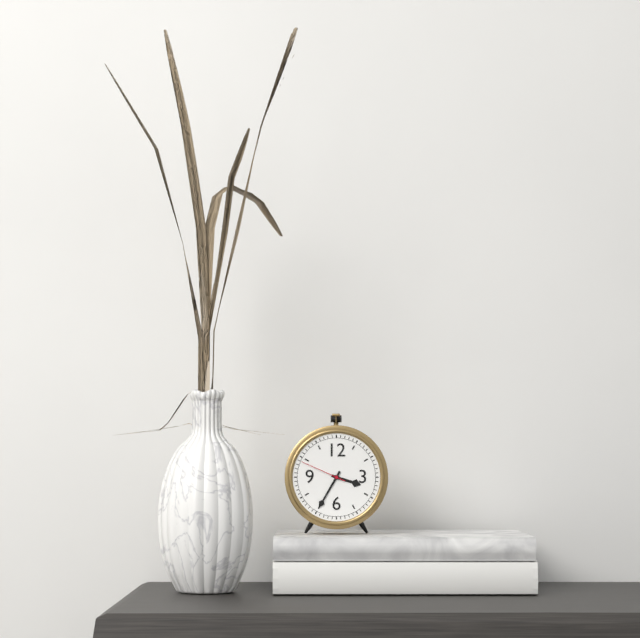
h=3 m=35
